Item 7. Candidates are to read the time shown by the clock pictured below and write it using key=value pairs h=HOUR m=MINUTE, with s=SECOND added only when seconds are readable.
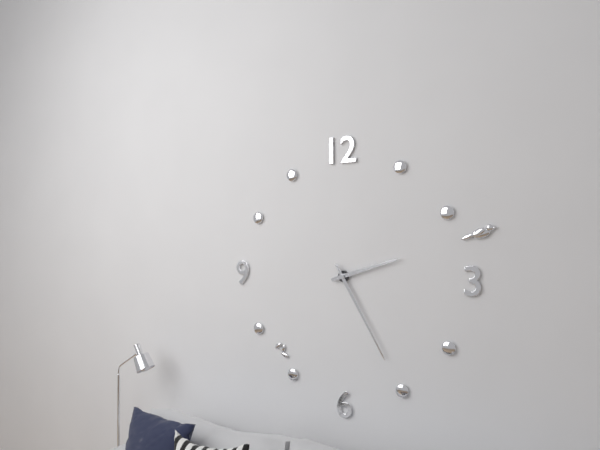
h=2 m=25
